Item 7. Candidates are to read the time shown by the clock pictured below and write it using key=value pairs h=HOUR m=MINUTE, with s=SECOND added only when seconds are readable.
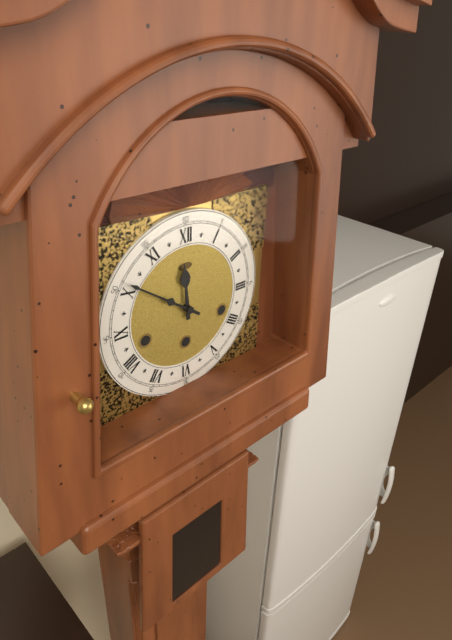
h=11 m=51
